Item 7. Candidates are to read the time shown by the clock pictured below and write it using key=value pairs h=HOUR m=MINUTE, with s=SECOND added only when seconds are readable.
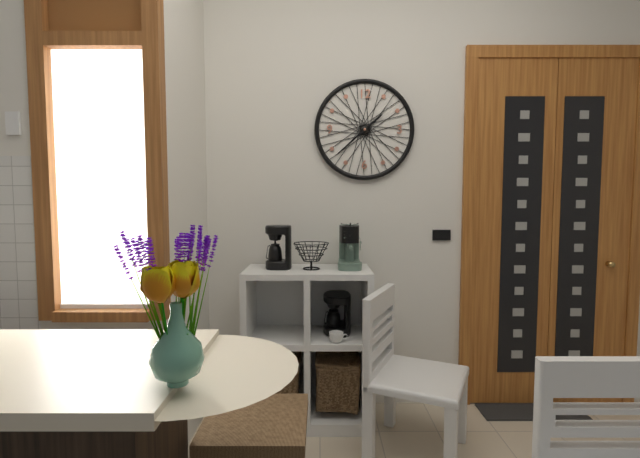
h=1 m=38
